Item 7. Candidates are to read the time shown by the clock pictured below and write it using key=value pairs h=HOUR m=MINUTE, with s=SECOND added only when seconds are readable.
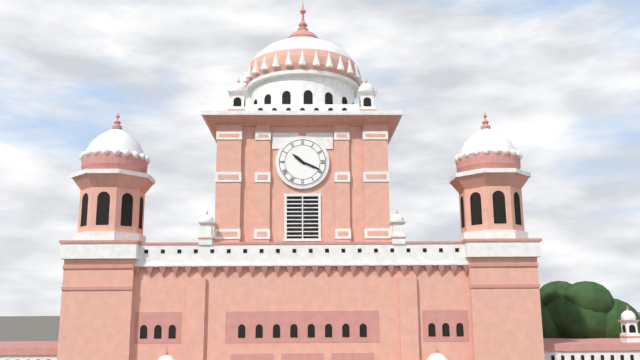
h=10 m=19
